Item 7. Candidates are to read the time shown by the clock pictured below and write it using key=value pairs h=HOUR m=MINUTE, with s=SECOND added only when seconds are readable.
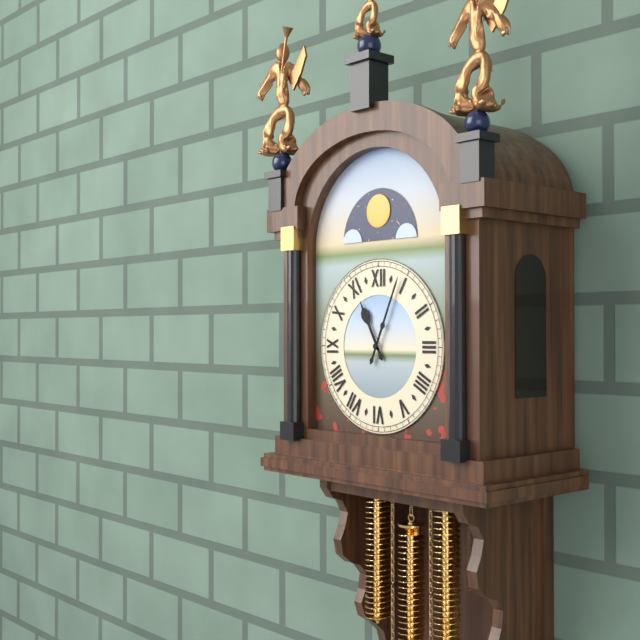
h=11 m=4
